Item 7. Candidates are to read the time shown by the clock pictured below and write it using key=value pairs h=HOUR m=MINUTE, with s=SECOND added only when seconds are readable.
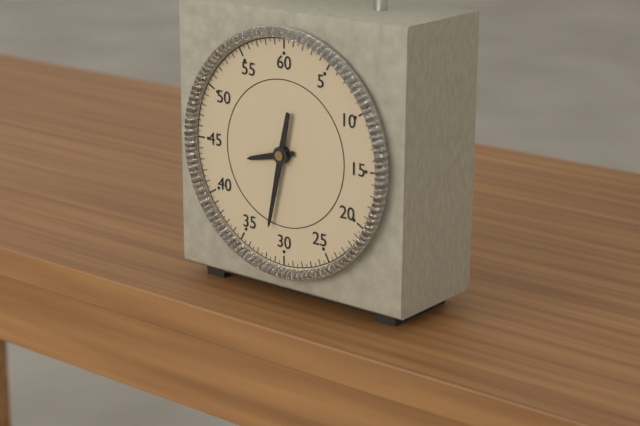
h=8 m=32
